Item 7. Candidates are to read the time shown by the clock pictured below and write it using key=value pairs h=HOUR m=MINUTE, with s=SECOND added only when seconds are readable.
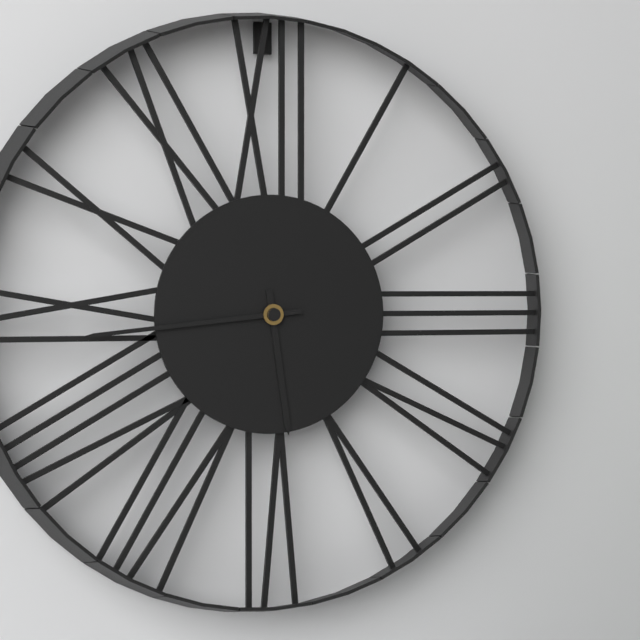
h=5 m=44
